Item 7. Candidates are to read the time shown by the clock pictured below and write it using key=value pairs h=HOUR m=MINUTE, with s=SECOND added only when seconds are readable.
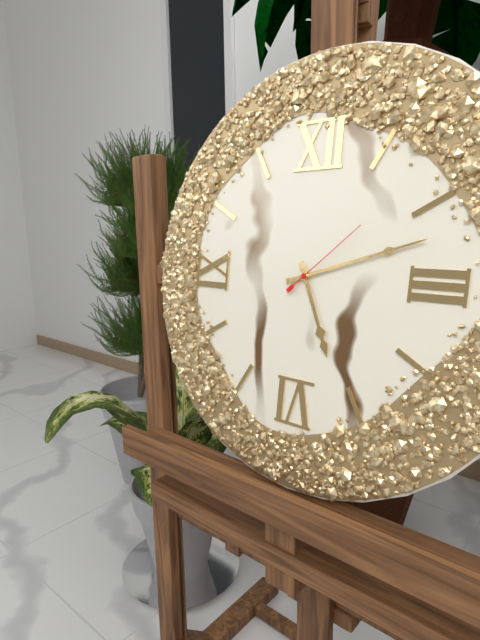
h=5 m=12 s=8
